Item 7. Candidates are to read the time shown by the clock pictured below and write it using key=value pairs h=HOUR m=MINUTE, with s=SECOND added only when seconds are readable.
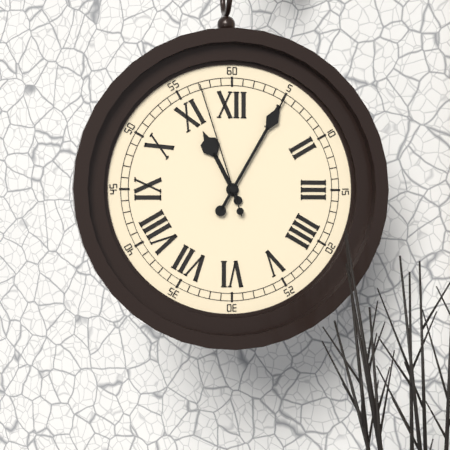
h=11 m=5 s=57
